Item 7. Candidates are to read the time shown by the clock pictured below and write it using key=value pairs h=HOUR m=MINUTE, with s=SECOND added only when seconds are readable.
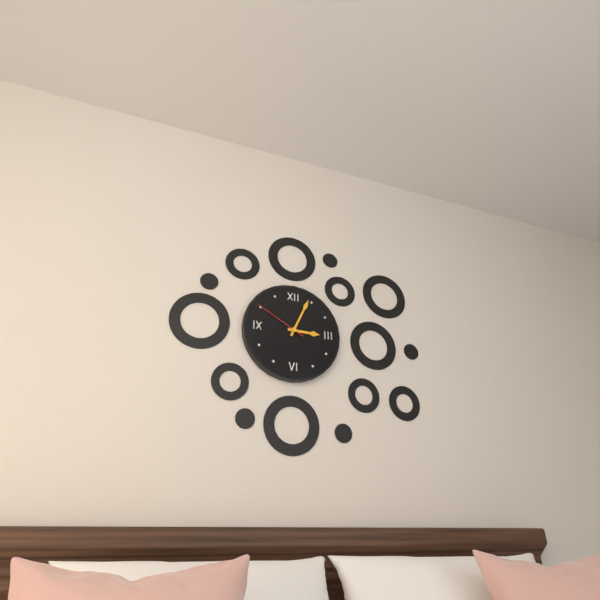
h=3 m=4 s=50
